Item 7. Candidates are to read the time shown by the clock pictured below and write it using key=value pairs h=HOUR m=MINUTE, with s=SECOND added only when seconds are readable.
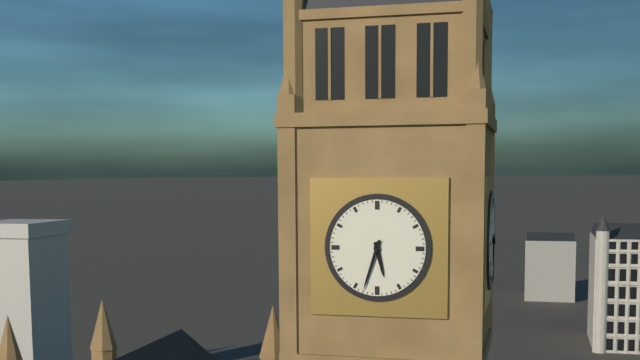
h=5 m=33
